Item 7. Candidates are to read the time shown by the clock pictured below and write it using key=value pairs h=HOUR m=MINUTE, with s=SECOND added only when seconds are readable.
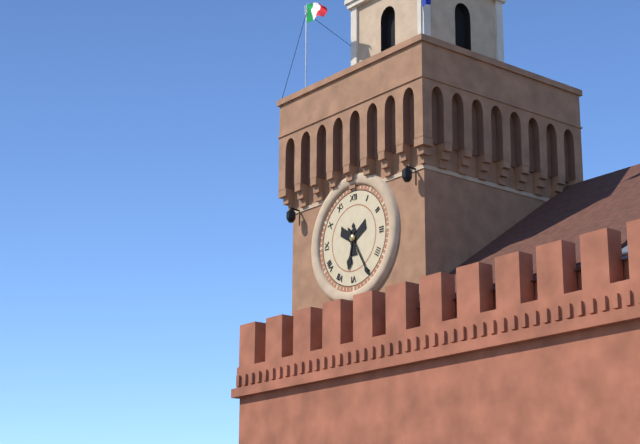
h=6 m=25
